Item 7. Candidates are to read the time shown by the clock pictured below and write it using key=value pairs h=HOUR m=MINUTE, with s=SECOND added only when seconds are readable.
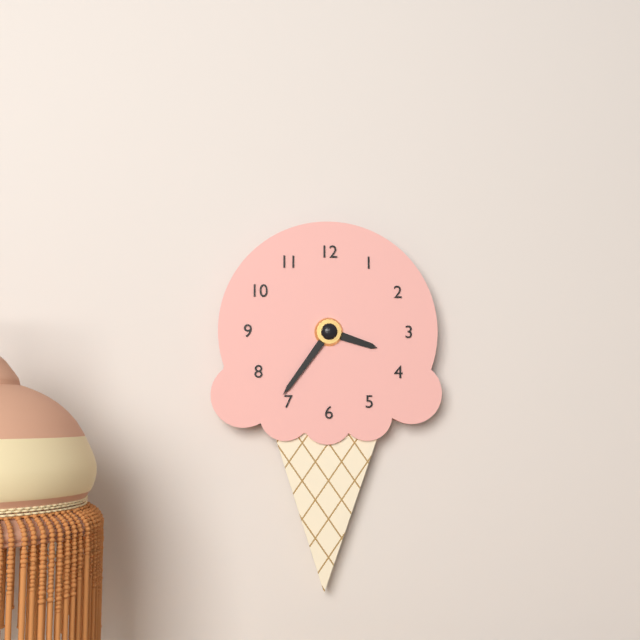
h=3 m=36
